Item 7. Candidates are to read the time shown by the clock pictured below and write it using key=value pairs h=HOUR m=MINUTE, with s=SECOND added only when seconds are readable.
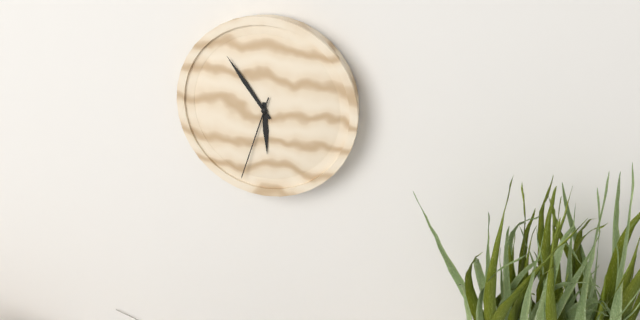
h=5 m=54 s=33
